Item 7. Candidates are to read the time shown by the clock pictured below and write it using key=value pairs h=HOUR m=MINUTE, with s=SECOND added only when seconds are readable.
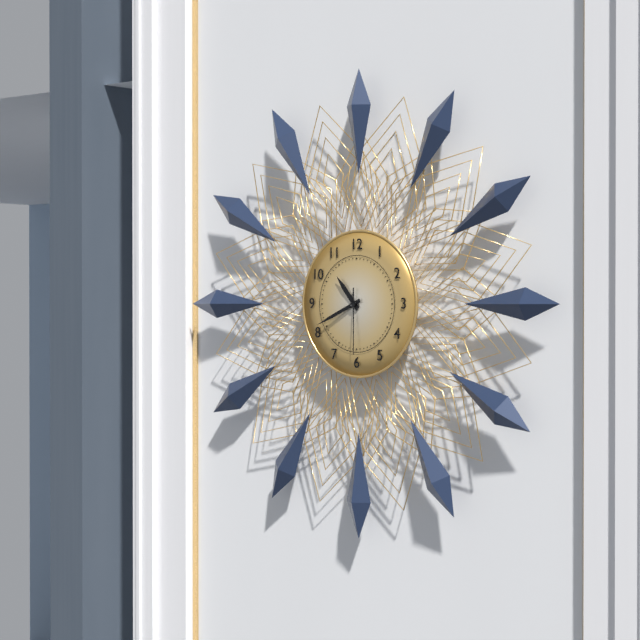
h=10 m=41 s=30
